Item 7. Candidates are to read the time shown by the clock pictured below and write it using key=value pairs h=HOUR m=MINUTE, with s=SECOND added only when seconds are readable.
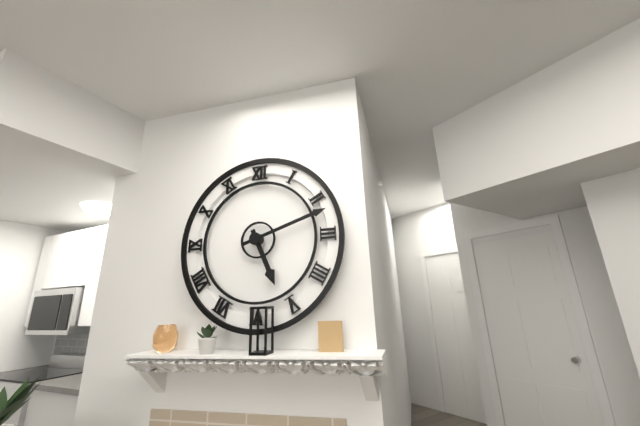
h=5 m=12
